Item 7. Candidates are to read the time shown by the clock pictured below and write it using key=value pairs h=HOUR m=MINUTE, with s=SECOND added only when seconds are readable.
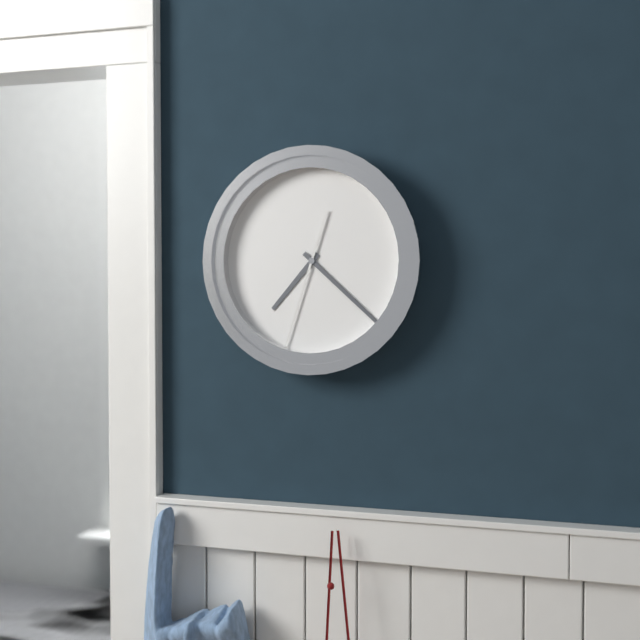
h=7 m=22 s=33
